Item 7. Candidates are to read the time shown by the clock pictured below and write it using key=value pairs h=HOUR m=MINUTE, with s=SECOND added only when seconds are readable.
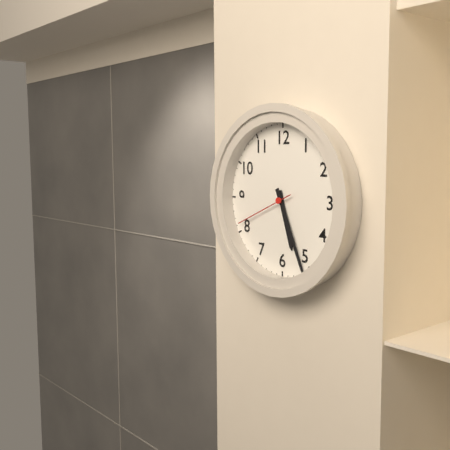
h=5 m=26 s=41
